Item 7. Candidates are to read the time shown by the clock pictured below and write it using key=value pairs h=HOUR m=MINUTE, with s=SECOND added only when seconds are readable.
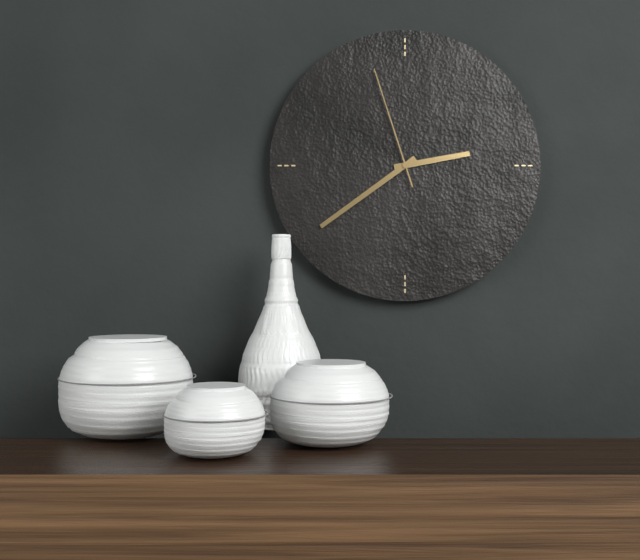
h=2 m=39 s=57
